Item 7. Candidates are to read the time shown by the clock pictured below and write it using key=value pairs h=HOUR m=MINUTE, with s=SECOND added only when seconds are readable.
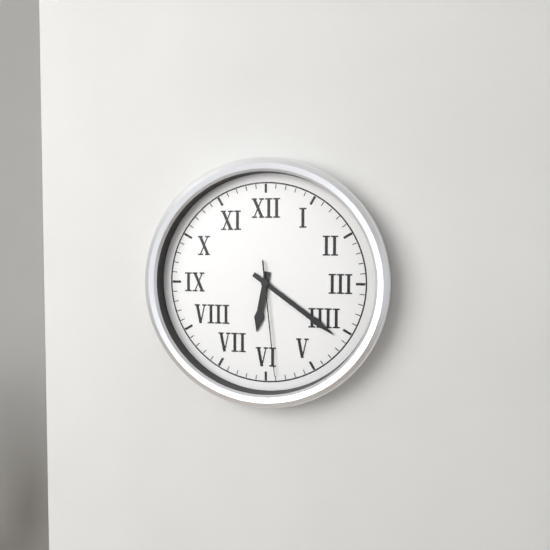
h=6 m=21 s=29
